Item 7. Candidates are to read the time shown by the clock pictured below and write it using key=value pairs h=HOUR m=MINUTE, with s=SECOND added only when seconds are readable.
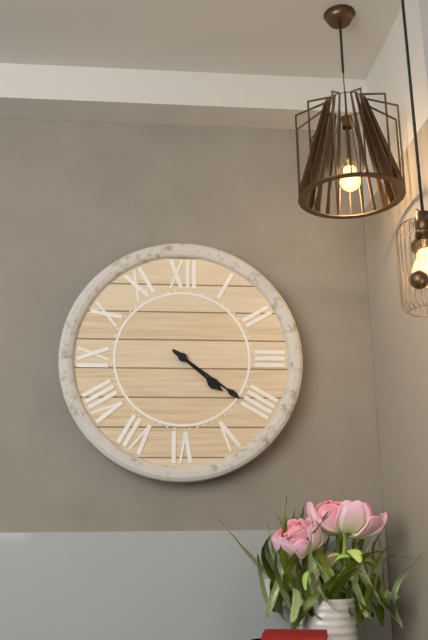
h=4 m=21
